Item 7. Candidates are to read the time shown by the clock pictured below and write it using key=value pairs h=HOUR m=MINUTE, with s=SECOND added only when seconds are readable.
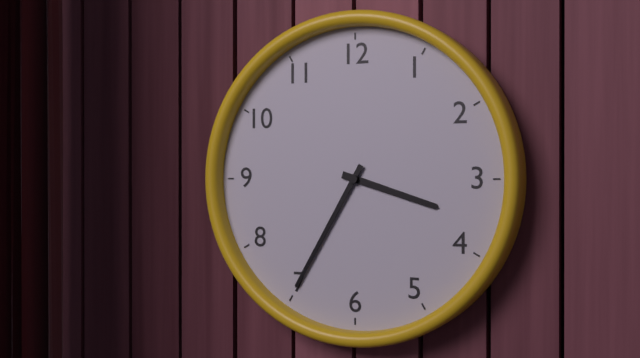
h=3 m=35
